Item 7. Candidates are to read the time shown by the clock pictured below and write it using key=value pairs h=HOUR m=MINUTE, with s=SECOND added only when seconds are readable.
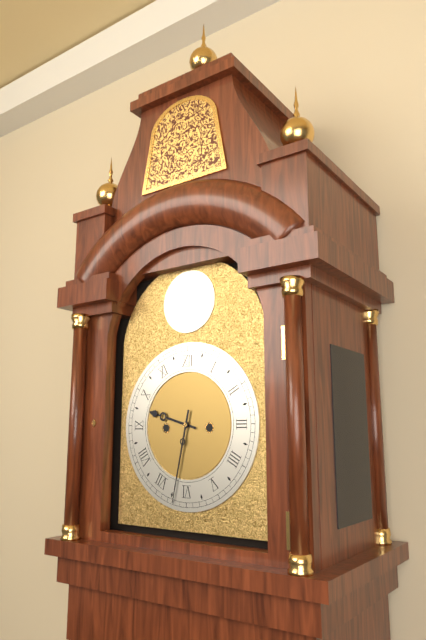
h=9 m=32
